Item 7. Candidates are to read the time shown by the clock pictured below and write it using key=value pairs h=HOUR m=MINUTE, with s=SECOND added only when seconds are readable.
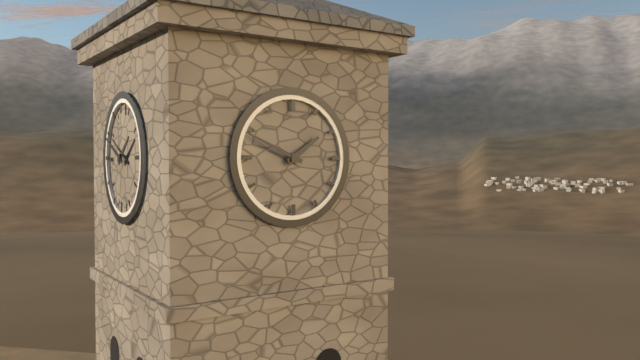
h=1 m=49
